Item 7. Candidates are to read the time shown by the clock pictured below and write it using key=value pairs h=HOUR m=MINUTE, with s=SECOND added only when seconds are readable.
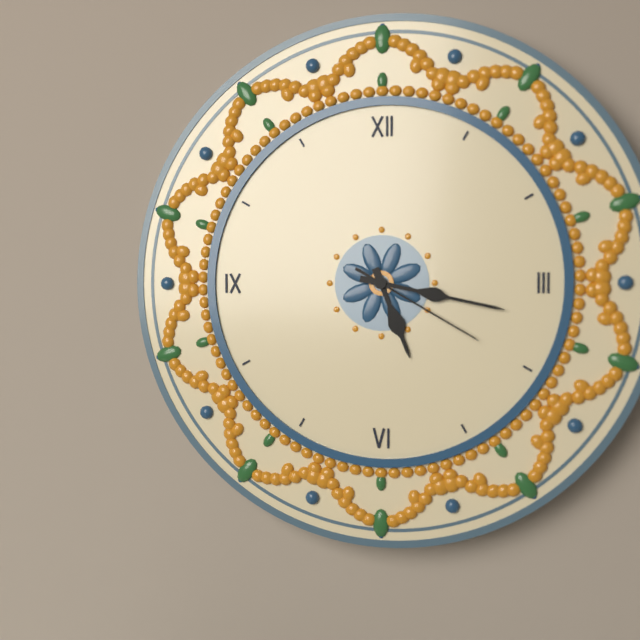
h=5 m=17 s=20
